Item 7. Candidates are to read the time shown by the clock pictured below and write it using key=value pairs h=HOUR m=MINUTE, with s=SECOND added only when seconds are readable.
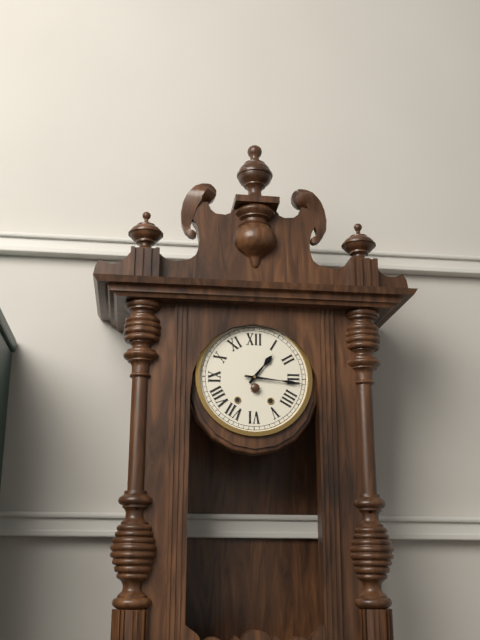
h=1 m=16
